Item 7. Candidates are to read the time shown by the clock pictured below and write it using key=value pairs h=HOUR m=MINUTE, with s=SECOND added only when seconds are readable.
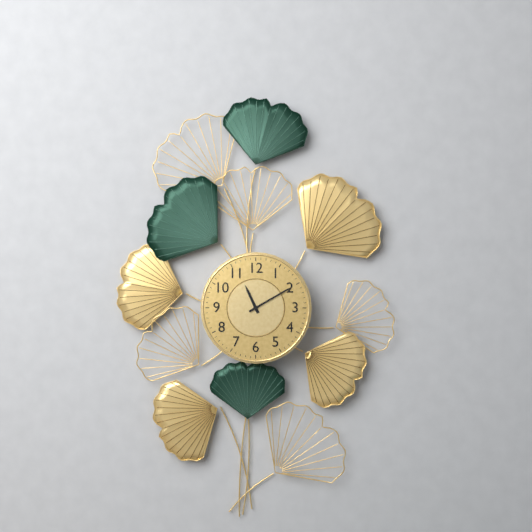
h=11 m=10
